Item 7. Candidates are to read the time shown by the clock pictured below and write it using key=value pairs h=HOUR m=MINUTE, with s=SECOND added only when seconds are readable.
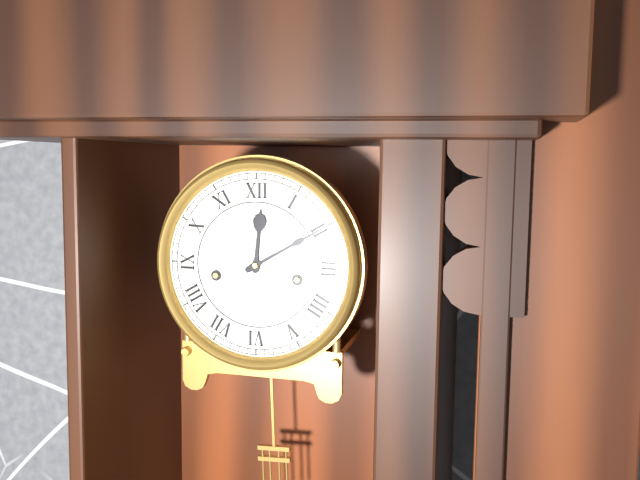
h=12 m=10
